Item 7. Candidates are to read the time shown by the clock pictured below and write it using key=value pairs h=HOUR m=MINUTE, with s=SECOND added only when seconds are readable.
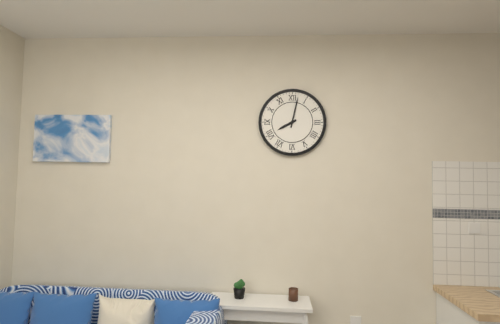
h=8 m=2
